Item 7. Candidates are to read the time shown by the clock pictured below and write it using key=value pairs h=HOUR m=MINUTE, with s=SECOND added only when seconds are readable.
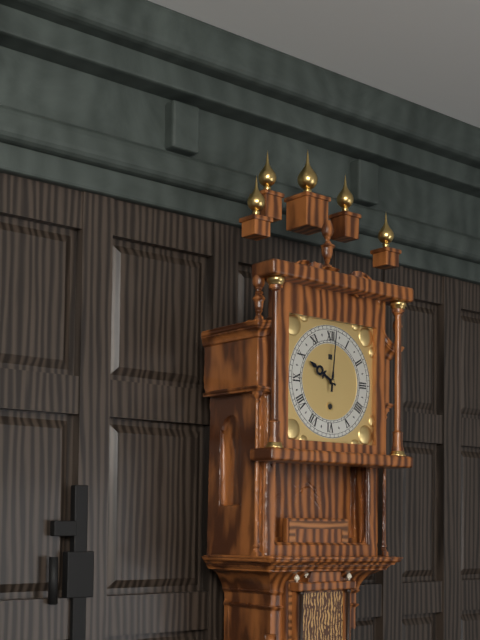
h=10 m=1
